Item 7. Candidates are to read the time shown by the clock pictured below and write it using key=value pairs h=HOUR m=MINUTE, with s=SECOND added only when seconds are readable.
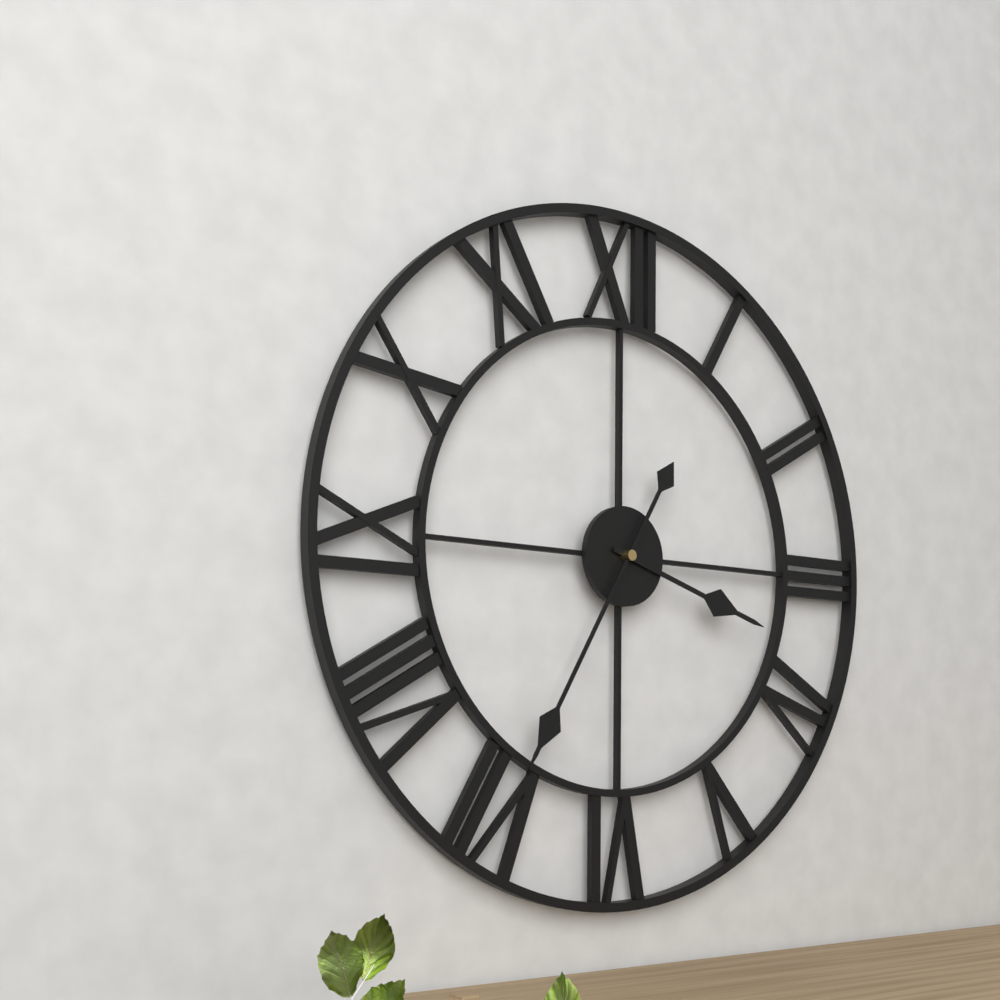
h=3 m=35
